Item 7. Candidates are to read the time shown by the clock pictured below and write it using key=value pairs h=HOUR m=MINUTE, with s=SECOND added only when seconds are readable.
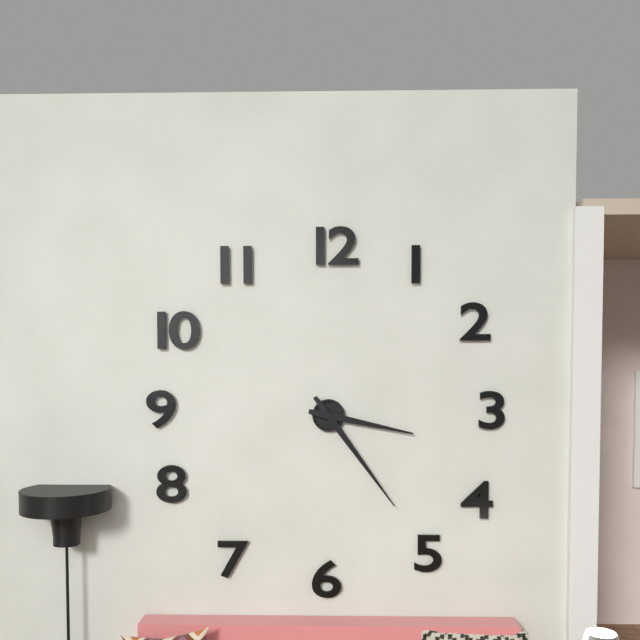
h=3 m=24
